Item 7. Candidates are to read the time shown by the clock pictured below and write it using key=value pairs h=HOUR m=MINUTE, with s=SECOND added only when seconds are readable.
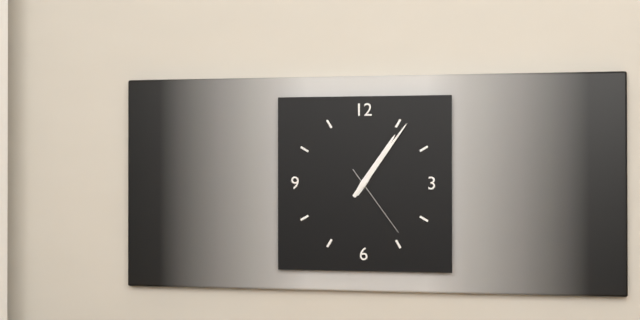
h=1 m=6 s=24
